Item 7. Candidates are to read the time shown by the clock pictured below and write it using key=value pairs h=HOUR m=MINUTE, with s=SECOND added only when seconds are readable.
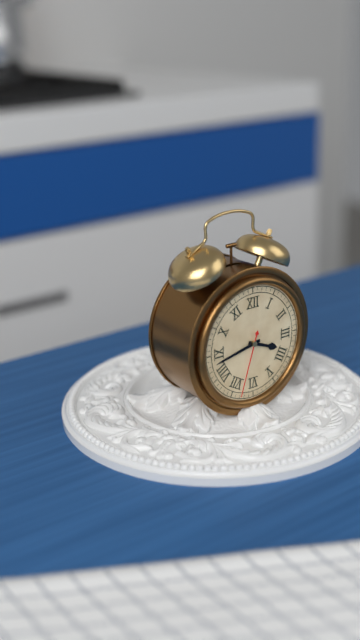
h=3 m=43 s=33
